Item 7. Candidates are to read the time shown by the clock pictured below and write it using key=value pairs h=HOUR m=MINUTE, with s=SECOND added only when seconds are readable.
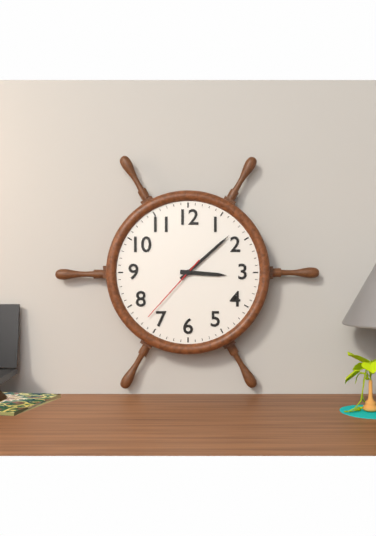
h=3 m=8 s=37
